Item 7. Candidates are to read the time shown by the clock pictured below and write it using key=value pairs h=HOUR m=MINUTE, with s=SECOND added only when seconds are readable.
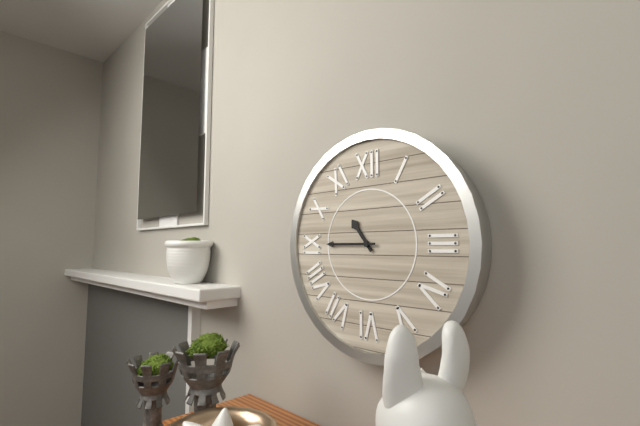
h=10 m=45
